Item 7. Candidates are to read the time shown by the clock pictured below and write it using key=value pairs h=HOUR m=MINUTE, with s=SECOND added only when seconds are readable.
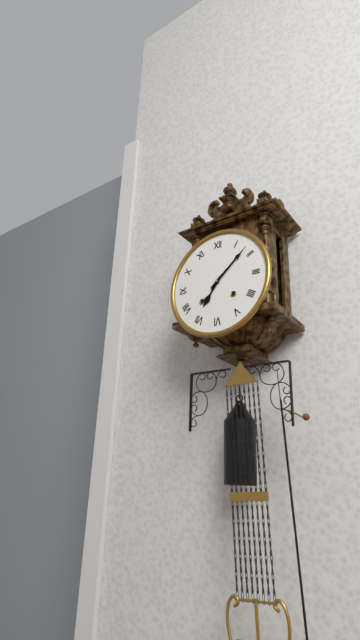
h=7 m=8
